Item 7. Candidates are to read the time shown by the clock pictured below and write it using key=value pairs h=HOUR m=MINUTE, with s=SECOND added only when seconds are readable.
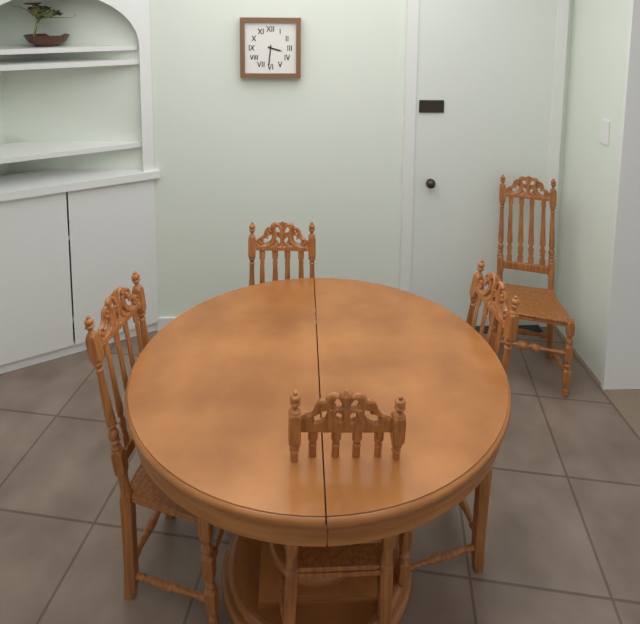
h=3 m=31
